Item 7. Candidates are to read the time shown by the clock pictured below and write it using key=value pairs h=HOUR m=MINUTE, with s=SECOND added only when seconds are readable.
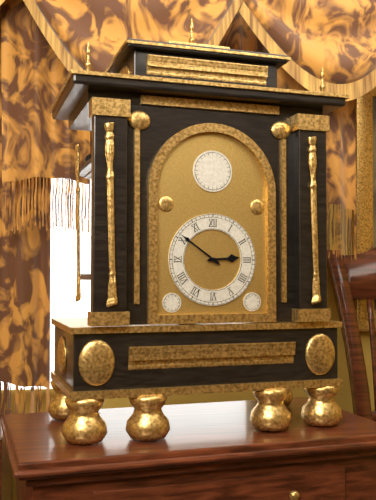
h=2 m=51
